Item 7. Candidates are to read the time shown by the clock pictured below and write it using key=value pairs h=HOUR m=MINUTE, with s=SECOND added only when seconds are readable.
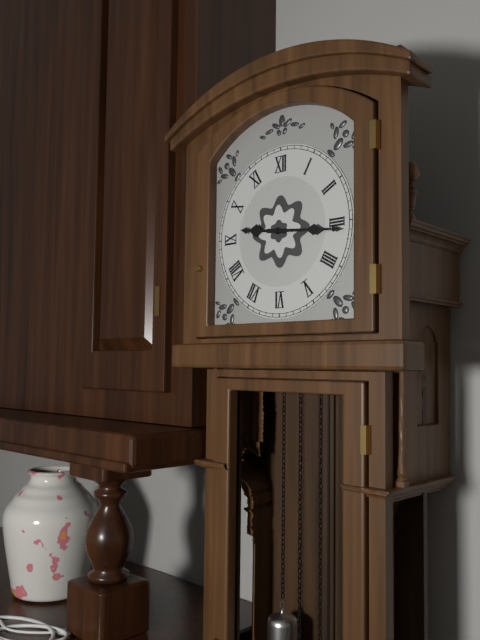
h=9 m=16
